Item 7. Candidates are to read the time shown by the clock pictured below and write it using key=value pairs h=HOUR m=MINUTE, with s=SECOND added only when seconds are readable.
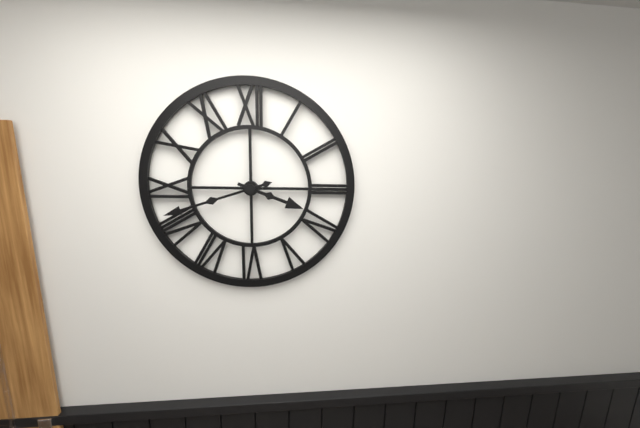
h=3 m=42
